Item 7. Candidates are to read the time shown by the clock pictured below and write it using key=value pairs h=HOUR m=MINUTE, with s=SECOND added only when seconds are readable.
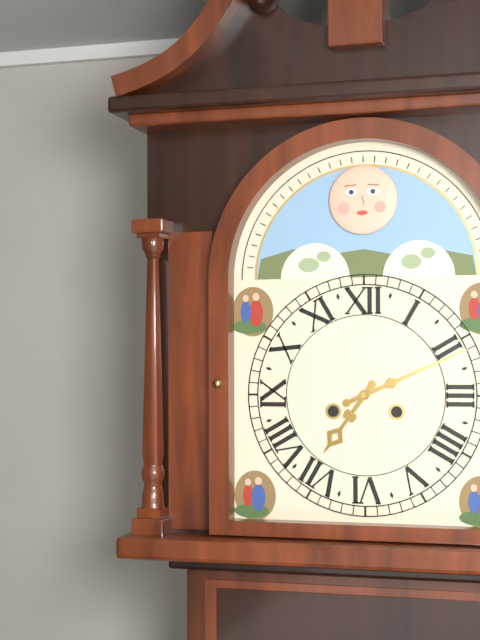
h=7 m=11
